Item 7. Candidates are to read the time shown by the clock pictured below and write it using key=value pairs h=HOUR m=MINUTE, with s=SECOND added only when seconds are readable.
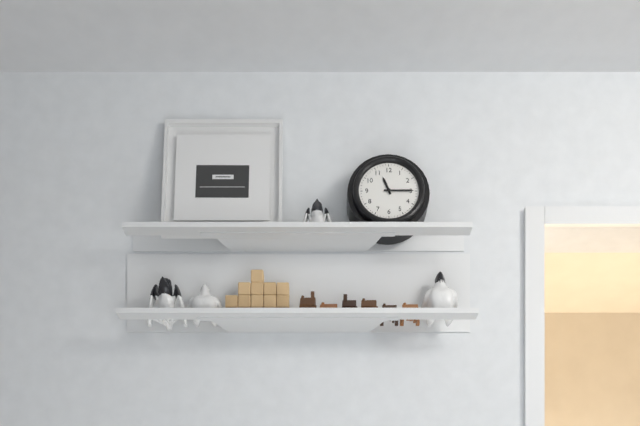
h=11 m=15
